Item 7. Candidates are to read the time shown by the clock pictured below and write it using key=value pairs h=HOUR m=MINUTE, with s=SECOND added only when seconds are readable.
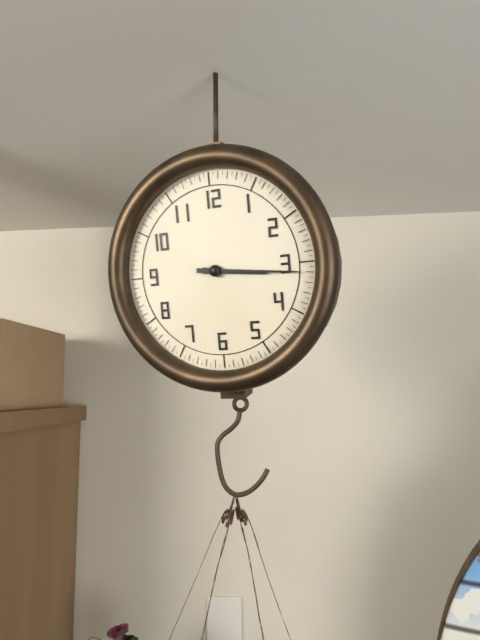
h=3 m=16
